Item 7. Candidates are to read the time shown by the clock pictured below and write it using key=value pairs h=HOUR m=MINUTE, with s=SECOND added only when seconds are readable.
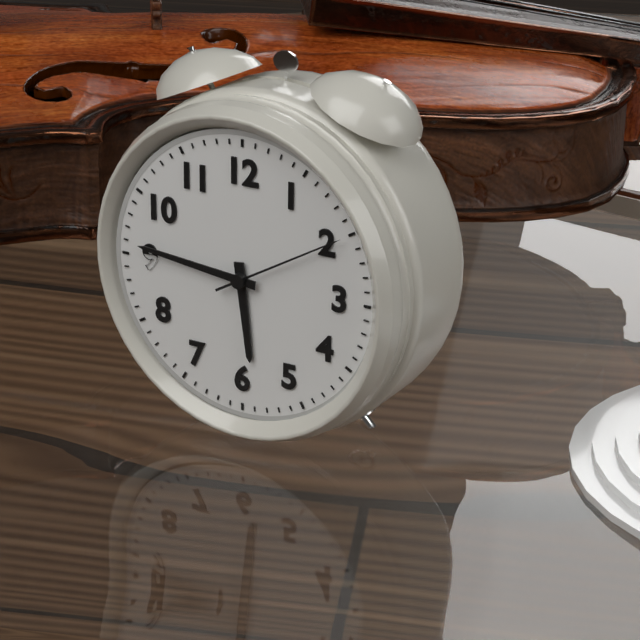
h=5 m=46 s=10
